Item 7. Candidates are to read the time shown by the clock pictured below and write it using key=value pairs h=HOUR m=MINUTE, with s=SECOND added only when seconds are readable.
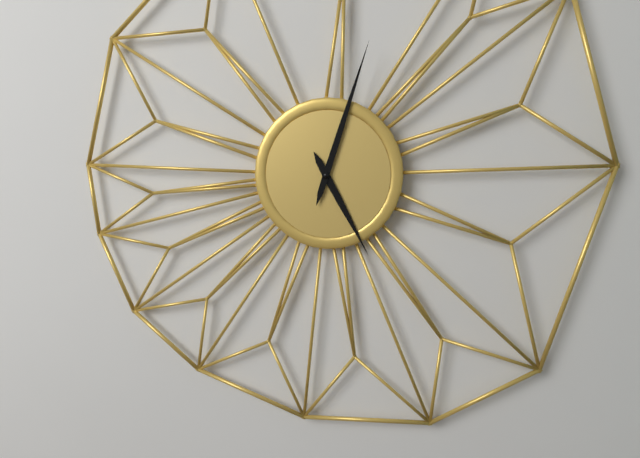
h=5 m=3
